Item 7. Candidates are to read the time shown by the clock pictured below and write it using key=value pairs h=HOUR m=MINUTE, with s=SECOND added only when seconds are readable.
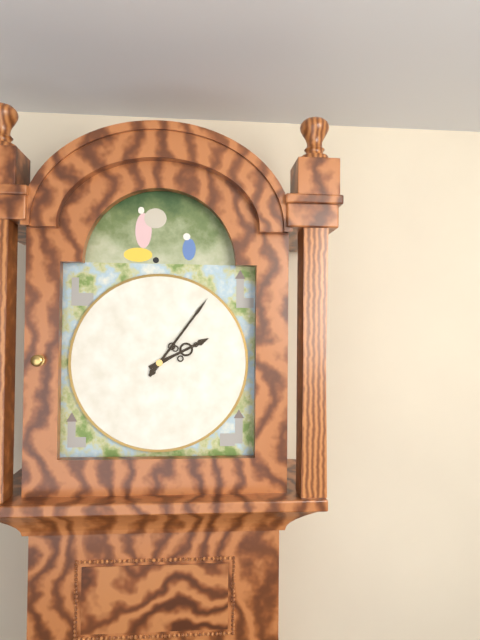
h=2 m=6
